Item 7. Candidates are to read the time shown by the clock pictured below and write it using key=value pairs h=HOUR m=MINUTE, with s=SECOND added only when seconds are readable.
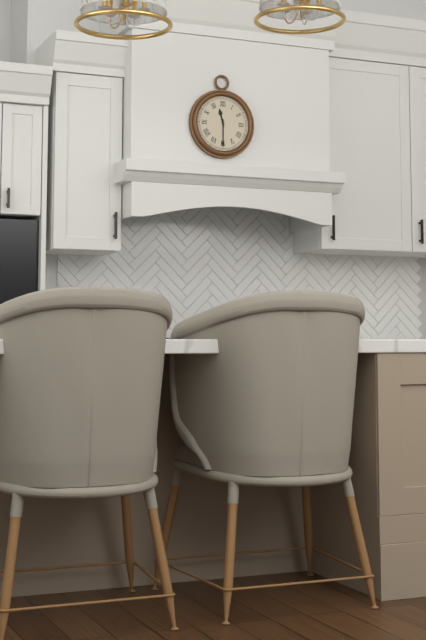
h=11 m=30
